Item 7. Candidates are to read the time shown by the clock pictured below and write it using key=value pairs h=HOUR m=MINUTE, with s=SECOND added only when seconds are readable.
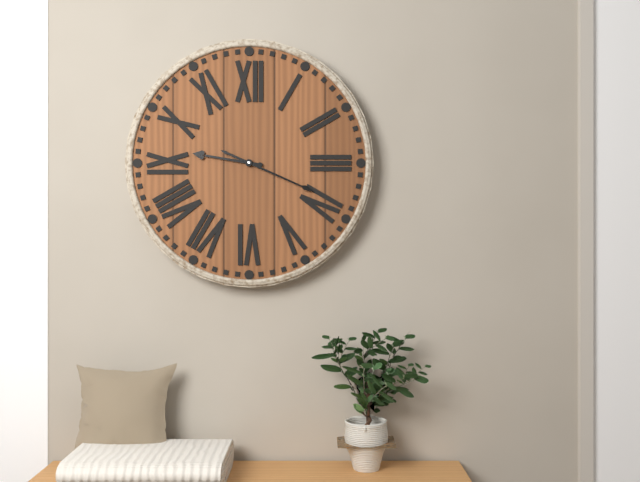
h=9 m=19
